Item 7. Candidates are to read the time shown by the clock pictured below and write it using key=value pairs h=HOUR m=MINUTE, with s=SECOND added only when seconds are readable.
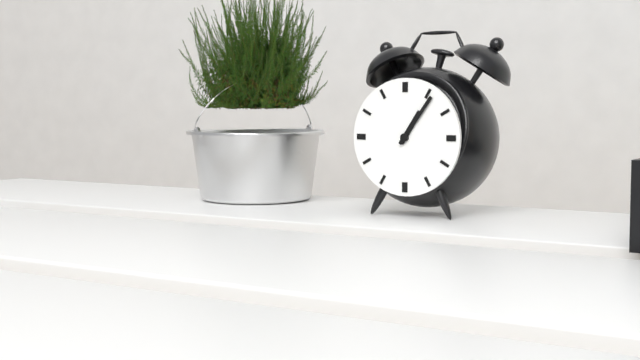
h=1 m=6
